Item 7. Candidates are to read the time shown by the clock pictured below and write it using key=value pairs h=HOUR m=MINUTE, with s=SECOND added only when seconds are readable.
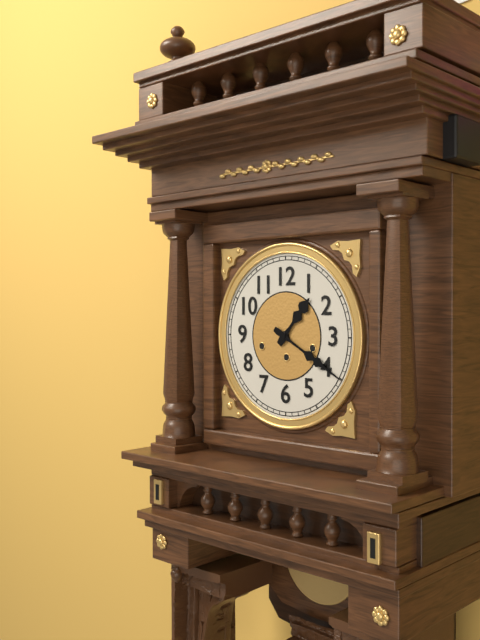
h=1 m=20
